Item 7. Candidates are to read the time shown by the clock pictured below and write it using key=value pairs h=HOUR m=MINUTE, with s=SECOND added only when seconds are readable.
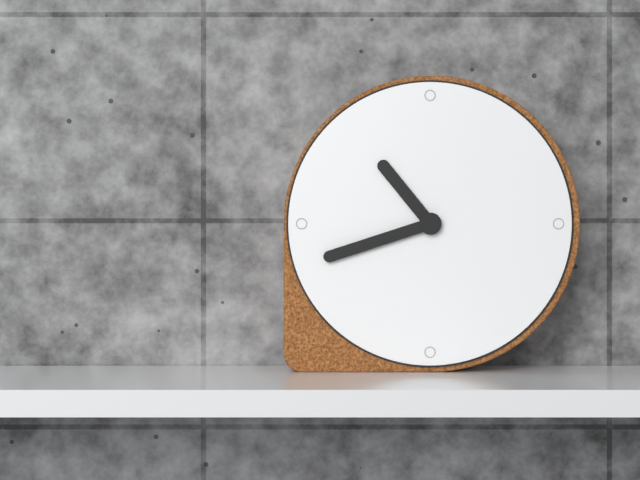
h=10 m=42
